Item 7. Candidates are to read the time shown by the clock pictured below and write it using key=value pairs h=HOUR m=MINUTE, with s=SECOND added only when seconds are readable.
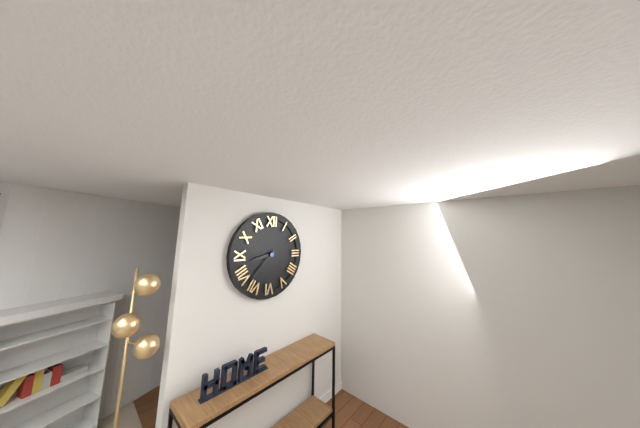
h=8 m=37
